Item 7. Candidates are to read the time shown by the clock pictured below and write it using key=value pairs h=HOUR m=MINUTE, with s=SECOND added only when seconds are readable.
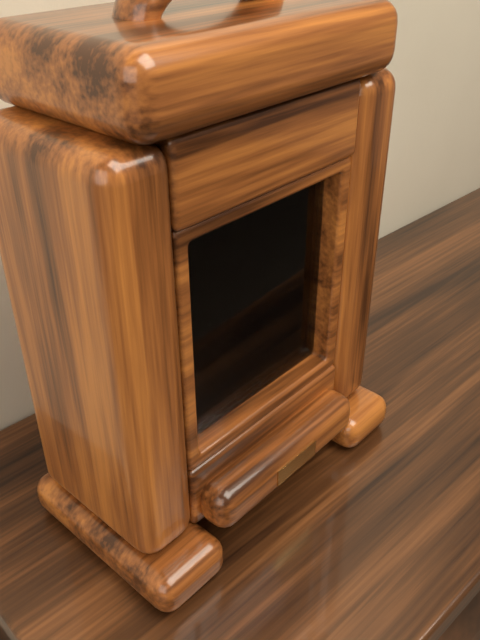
h=12 m=8 s=4
